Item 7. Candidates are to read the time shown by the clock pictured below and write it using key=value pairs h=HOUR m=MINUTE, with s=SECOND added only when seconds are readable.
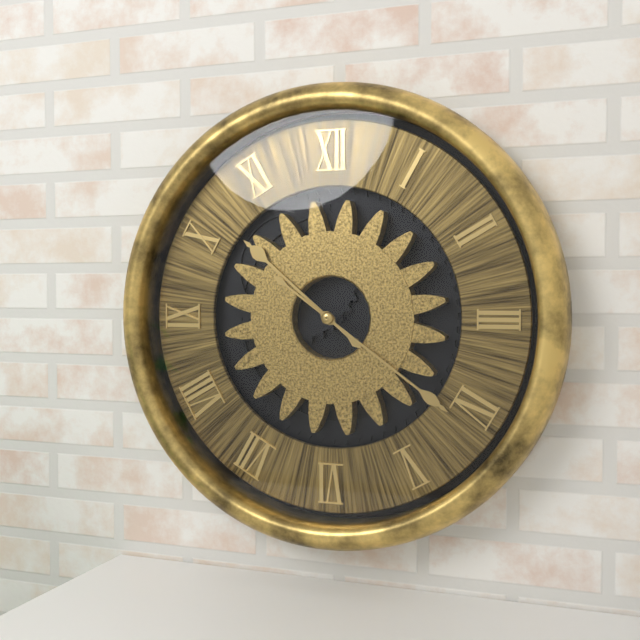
h=10 m=21
